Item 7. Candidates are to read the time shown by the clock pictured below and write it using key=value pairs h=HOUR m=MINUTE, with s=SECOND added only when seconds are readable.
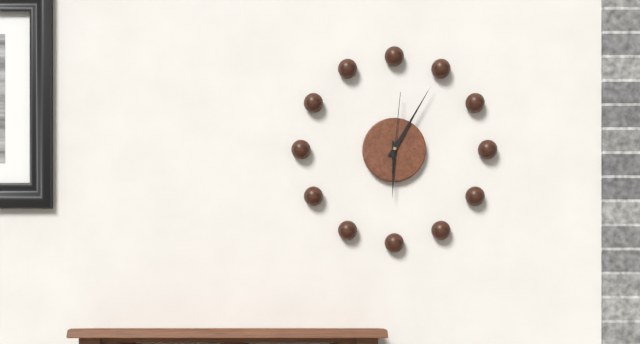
h=6 m=5 s=1
